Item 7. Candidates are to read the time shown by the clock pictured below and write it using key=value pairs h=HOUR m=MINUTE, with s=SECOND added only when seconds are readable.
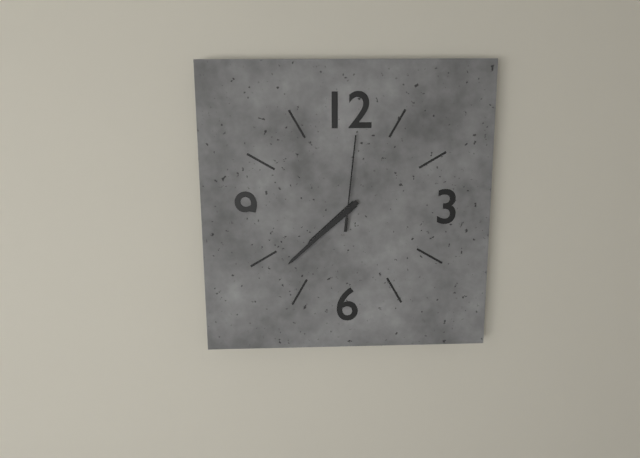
h=7 m=38 s=1
